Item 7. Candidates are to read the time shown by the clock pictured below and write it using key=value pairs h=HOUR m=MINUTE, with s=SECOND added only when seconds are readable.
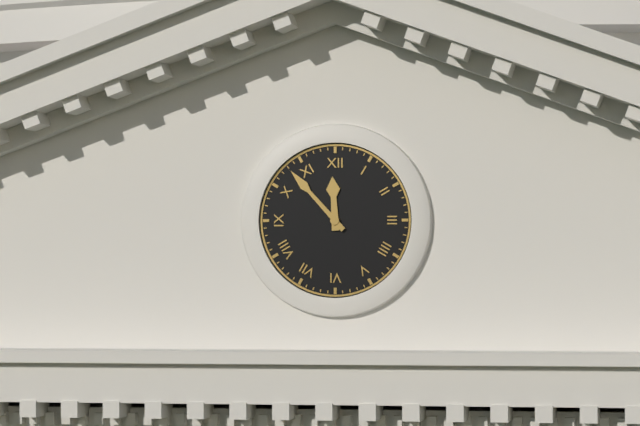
h=11 m=53
